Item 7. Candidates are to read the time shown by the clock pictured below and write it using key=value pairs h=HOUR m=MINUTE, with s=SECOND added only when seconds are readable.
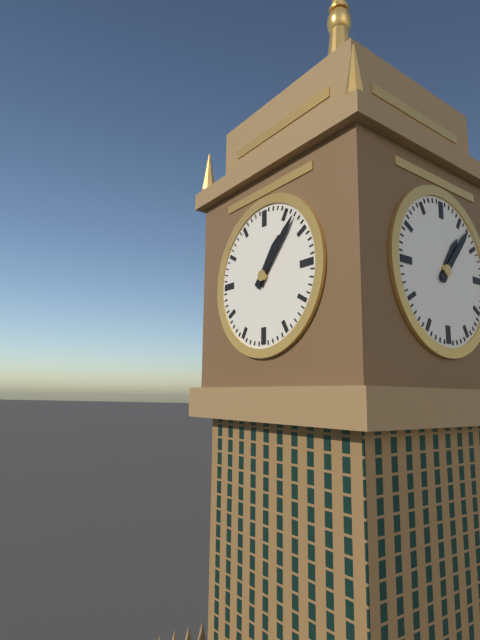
h=1 m=7
